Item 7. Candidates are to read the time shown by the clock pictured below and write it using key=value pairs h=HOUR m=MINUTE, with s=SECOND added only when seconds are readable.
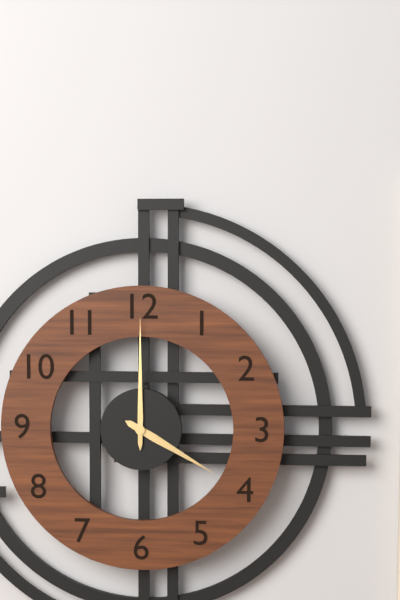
h=4 m=0
